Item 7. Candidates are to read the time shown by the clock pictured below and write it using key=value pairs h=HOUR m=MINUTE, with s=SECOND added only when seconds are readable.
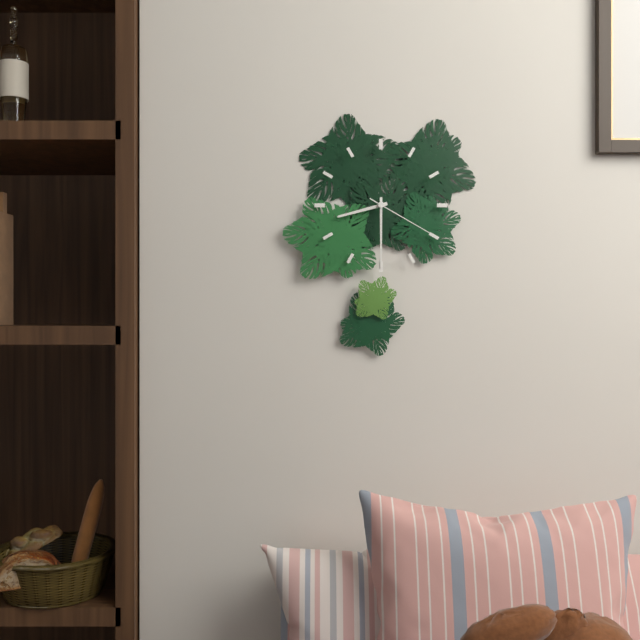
h=8 m=30 s=20
